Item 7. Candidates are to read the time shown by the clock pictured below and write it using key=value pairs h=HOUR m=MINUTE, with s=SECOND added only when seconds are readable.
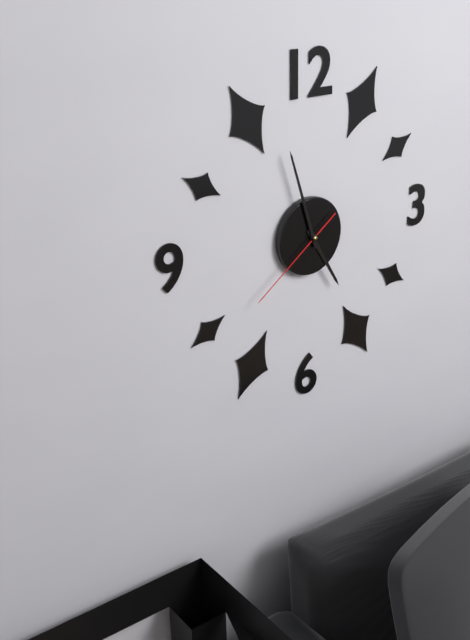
h=4 m=57 s=39
